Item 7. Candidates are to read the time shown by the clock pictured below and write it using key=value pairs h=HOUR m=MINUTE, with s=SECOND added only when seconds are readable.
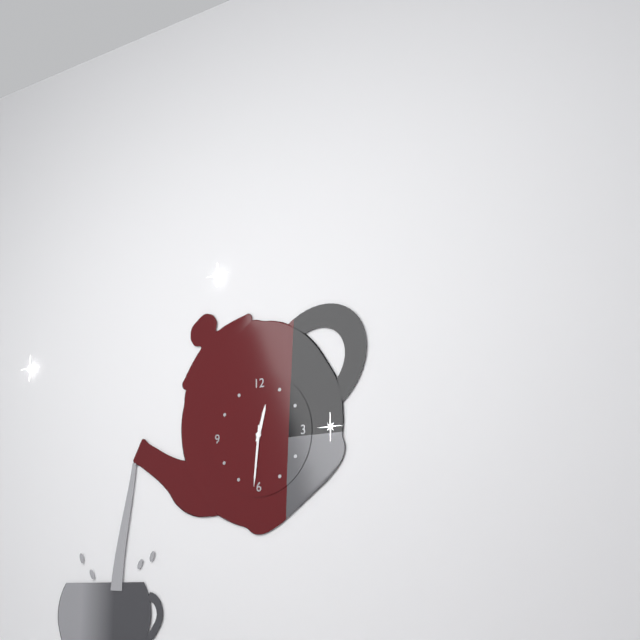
h=12 m=31
